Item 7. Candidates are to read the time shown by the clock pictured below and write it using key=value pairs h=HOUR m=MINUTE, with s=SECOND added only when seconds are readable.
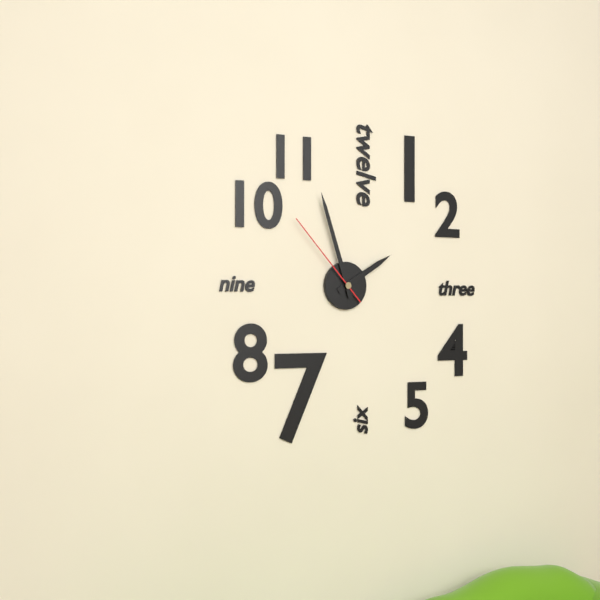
h=1 m=57 s=53
